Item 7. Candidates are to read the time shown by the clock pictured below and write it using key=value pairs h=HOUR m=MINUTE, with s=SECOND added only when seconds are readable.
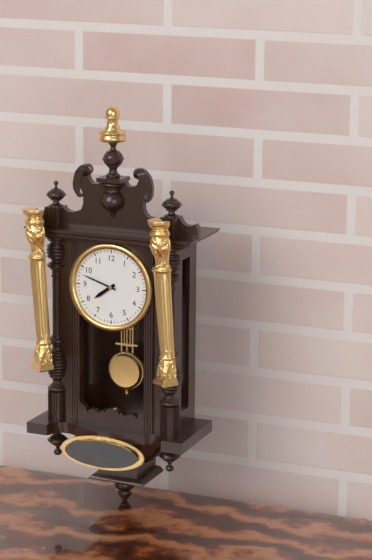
h=7 m=48
